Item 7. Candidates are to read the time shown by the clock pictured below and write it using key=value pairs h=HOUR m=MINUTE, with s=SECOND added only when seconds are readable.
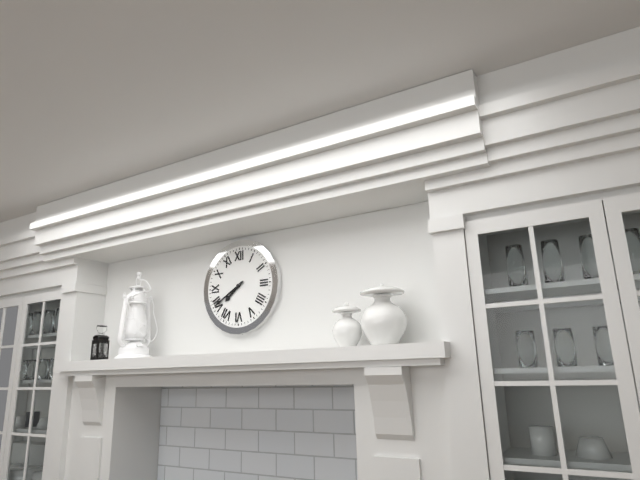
h=7 m=40
